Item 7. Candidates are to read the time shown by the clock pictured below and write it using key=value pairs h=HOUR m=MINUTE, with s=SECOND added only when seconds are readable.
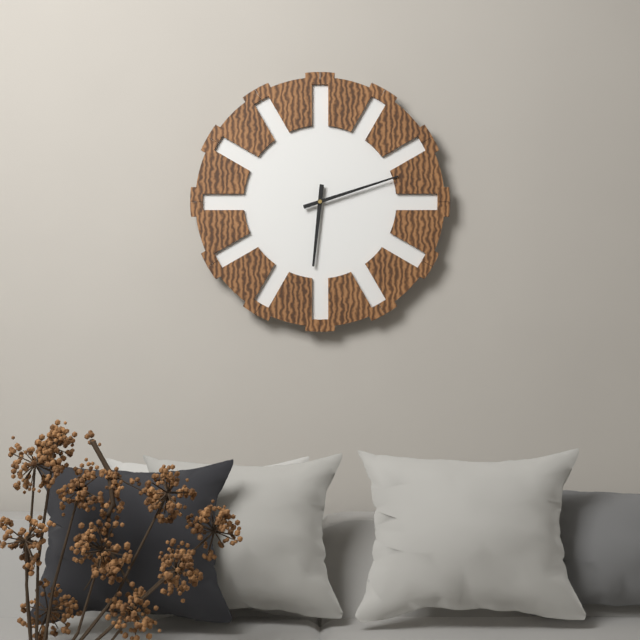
h=6 m=12
